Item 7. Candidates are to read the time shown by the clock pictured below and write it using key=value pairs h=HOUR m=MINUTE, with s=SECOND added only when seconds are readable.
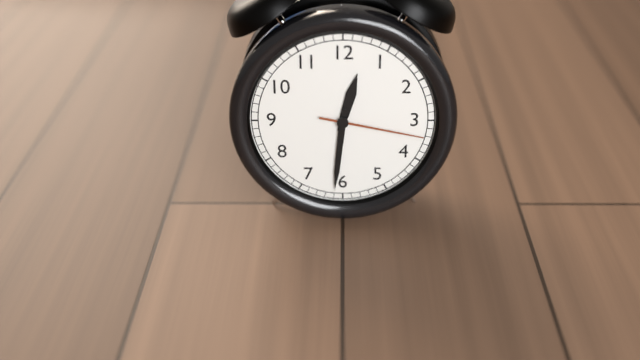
h=12 m=31 s=17
